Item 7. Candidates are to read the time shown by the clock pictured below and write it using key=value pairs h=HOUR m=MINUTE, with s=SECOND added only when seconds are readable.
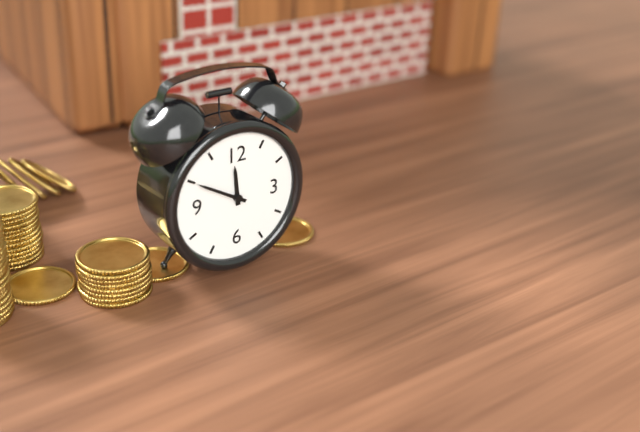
h=11 m=50
